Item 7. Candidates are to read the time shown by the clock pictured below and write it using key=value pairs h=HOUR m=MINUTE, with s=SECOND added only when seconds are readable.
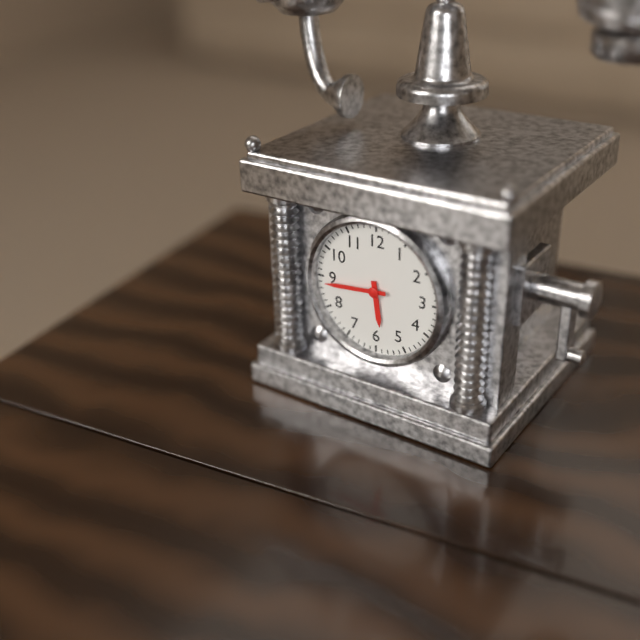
h=5 m=44
